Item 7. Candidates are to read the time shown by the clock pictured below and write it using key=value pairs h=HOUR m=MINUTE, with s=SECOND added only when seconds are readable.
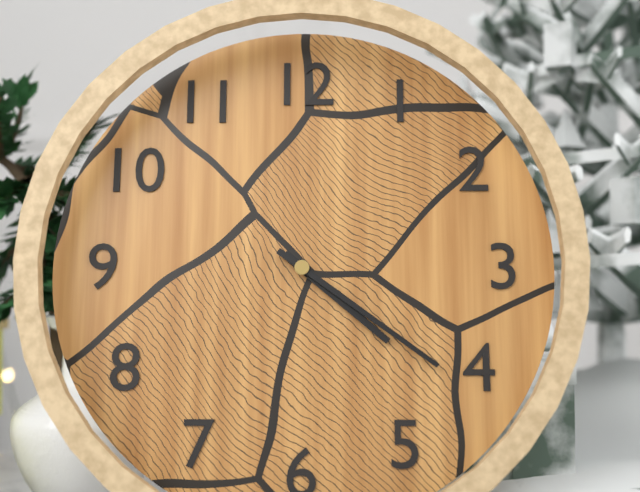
h=4 m=21
